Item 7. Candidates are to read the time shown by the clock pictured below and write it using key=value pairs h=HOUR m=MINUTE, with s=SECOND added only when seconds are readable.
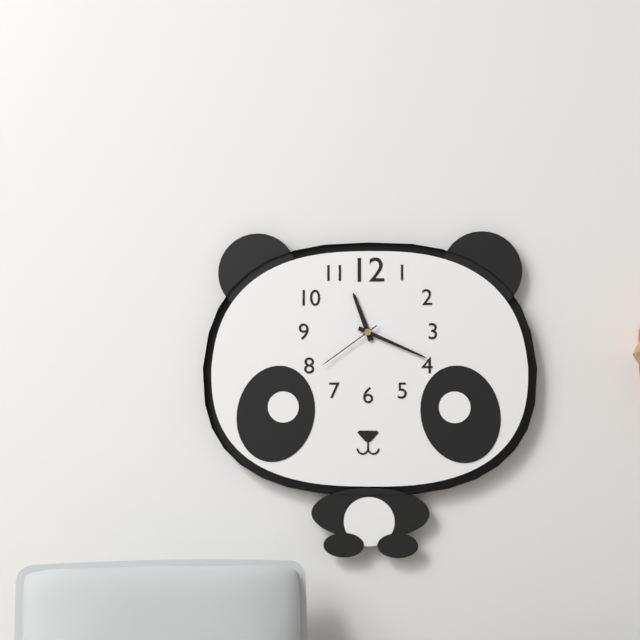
h=11 m=19 s=39
